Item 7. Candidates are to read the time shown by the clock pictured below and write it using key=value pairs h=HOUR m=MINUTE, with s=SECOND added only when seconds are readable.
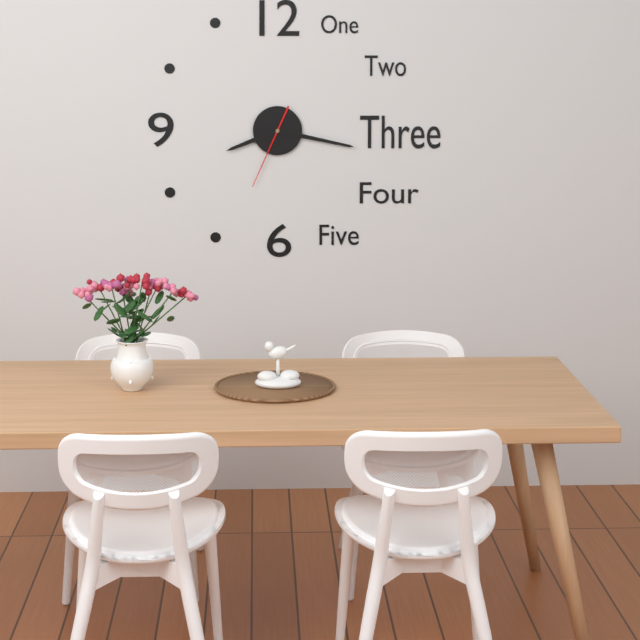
h=8 m=17 s=34
